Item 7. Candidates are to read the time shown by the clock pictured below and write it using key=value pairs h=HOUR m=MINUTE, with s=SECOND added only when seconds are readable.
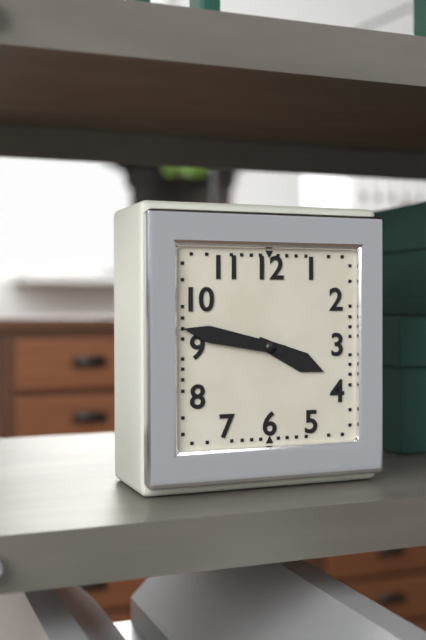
h=3 m=47
